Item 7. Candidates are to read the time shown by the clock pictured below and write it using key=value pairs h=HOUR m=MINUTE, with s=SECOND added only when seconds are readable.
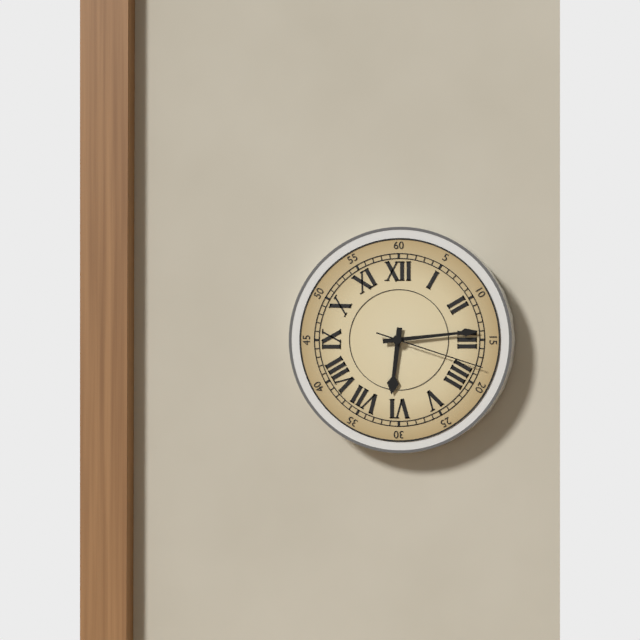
h=6 m=14 s=18
